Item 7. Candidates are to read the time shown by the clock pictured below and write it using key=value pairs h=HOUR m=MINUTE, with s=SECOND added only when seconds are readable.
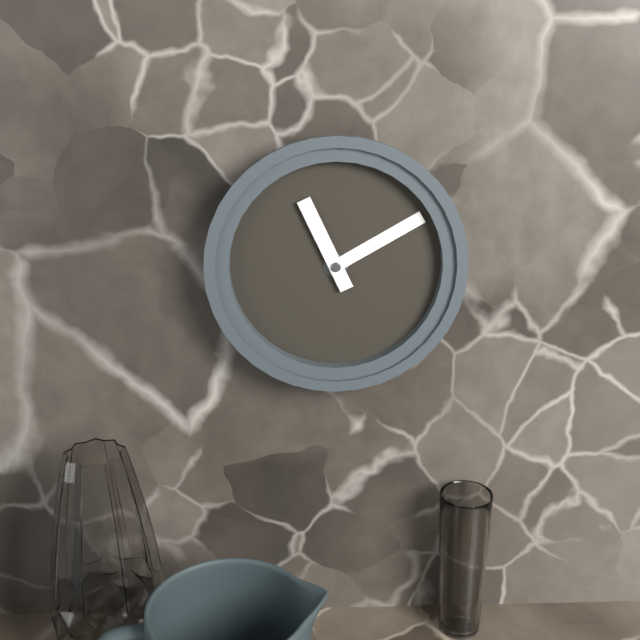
h=11 m=10
